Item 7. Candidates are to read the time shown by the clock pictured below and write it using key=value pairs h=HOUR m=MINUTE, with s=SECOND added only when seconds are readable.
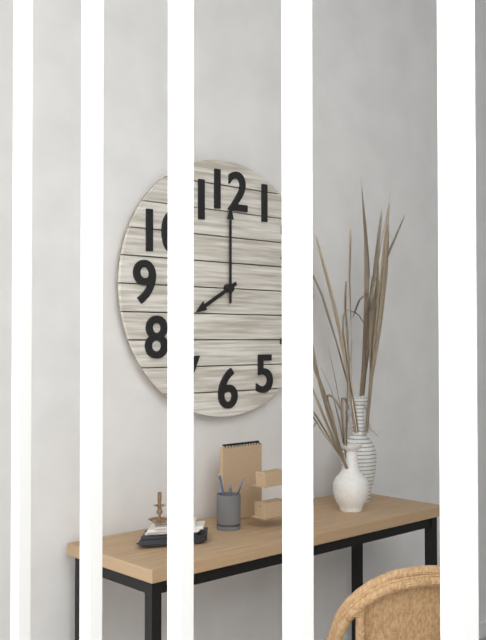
h=8 m=0
